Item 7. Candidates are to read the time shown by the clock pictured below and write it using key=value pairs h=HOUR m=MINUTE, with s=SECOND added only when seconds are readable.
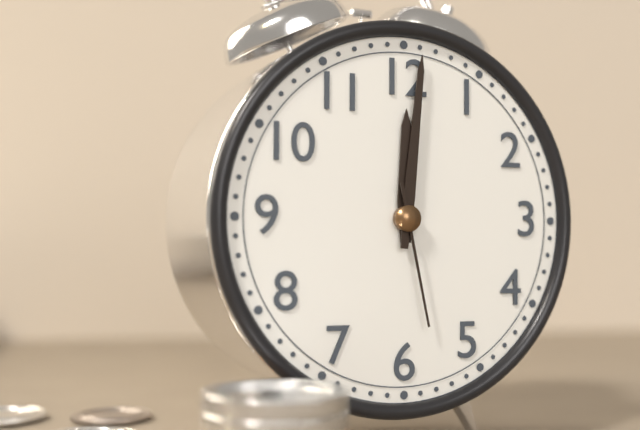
h=12 m=1 s=28
